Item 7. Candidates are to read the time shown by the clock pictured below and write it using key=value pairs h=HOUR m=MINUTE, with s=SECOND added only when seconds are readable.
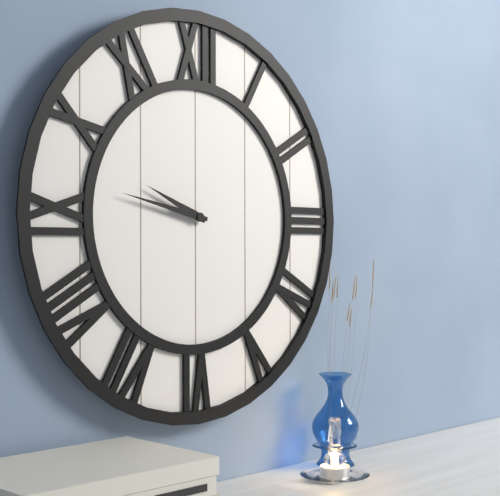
h=9 m=47
